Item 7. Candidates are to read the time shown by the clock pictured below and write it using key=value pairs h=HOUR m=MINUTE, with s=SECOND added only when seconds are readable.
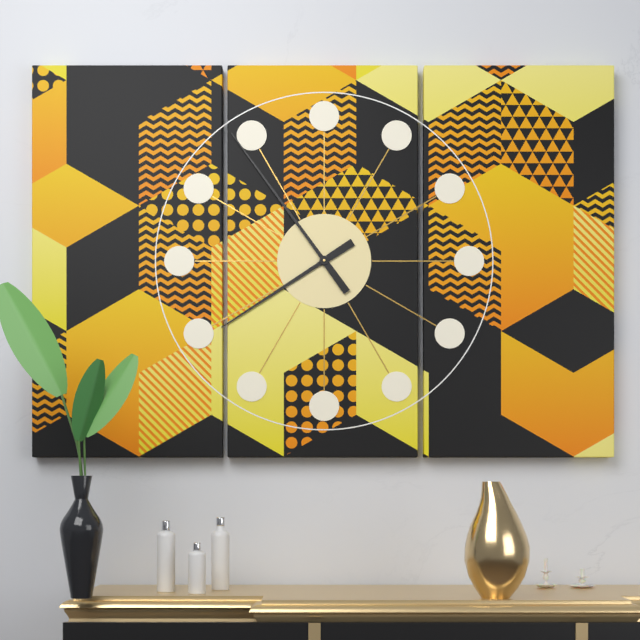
h=7 m=54
